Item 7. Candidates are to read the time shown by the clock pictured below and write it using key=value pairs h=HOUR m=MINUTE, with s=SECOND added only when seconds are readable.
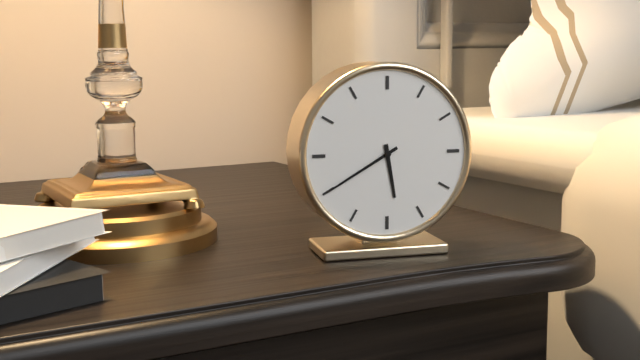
h=5 m=40
